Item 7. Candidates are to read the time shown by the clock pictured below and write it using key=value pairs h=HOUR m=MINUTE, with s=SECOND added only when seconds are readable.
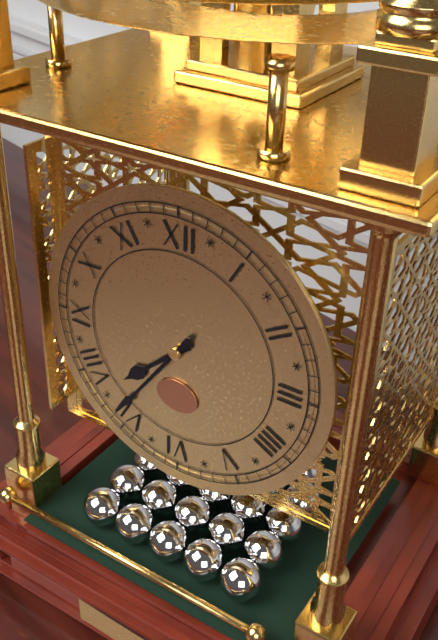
h=7 m=36
